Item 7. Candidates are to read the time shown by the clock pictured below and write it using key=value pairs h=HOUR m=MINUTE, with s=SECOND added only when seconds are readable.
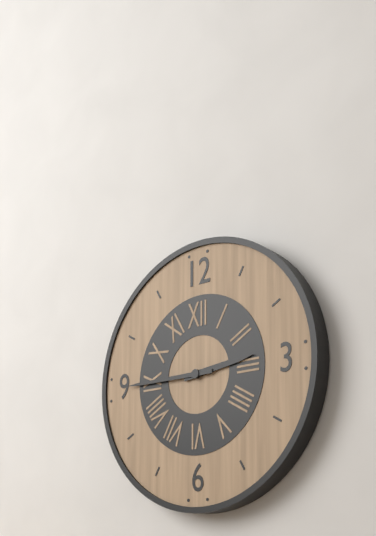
h=2 m=45
